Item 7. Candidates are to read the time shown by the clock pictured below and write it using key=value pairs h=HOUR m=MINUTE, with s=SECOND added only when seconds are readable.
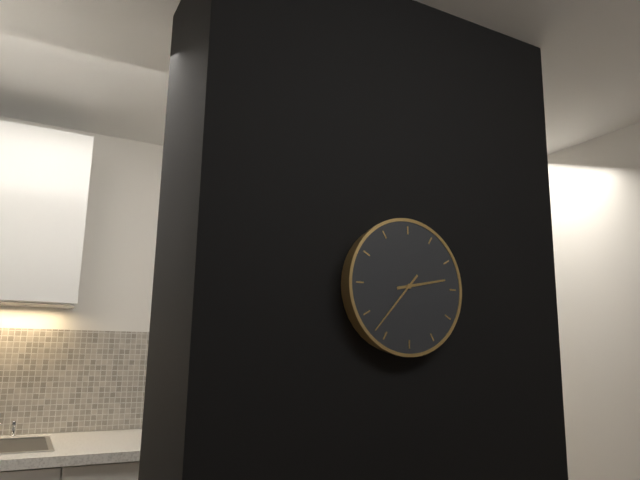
h=2 m=37
